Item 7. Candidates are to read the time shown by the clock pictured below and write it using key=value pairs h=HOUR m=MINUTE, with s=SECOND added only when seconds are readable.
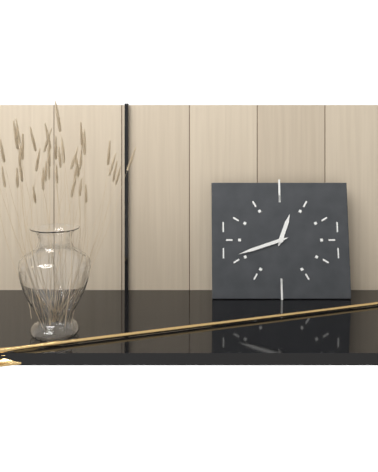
h=12 m=42
